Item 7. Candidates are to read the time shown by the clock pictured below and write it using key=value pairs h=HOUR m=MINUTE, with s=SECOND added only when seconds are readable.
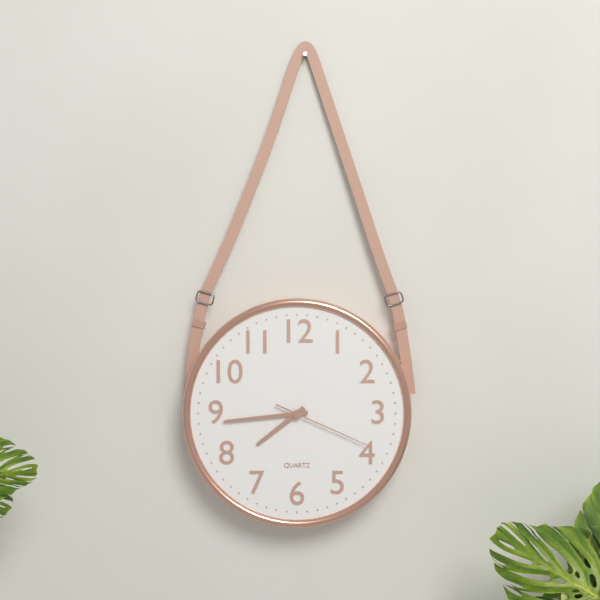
h=7 m=44 s=19
